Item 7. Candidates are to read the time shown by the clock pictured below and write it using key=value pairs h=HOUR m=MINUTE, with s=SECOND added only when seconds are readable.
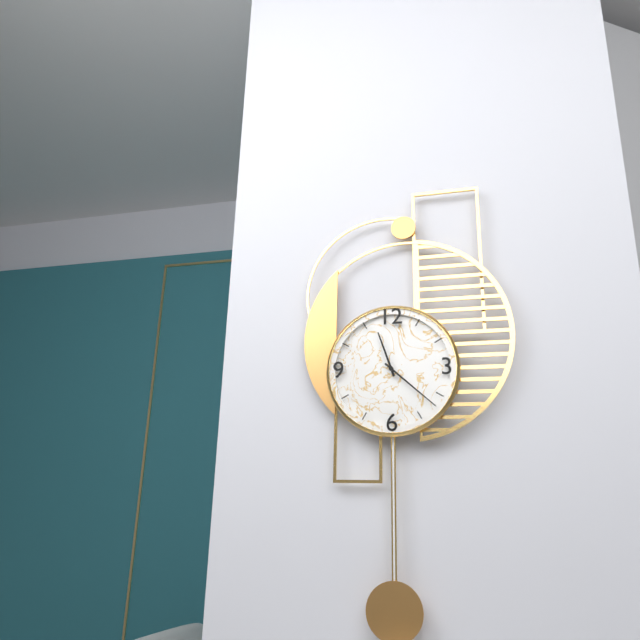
h=11 m=22
